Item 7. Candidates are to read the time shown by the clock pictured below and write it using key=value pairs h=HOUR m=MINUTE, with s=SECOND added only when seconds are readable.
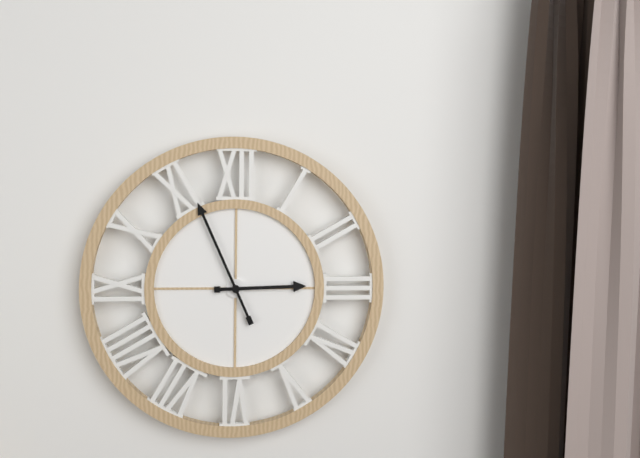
h=2 m=56
